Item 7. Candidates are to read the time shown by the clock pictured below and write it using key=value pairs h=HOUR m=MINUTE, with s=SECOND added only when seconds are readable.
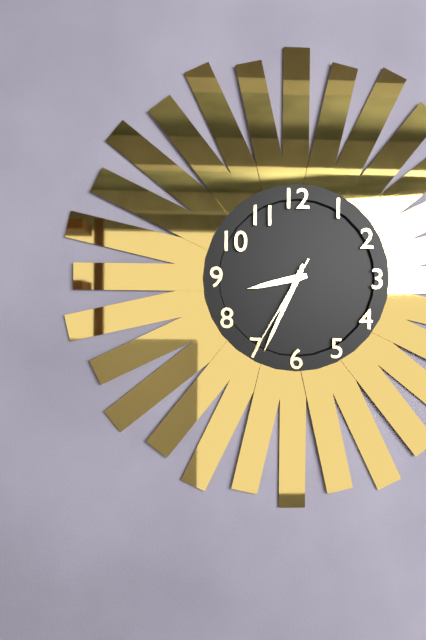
h=8 m=34 s=35
